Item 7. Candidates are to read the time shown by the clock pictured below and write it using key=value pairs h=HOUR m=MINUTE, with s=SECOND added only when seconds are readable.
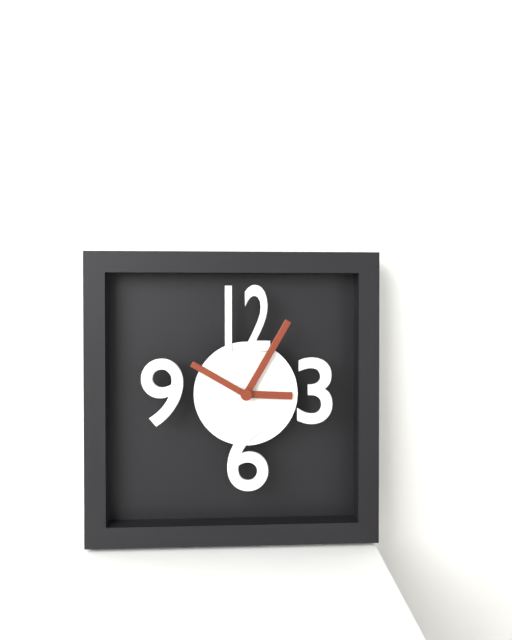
h=3 m=5 s=50
